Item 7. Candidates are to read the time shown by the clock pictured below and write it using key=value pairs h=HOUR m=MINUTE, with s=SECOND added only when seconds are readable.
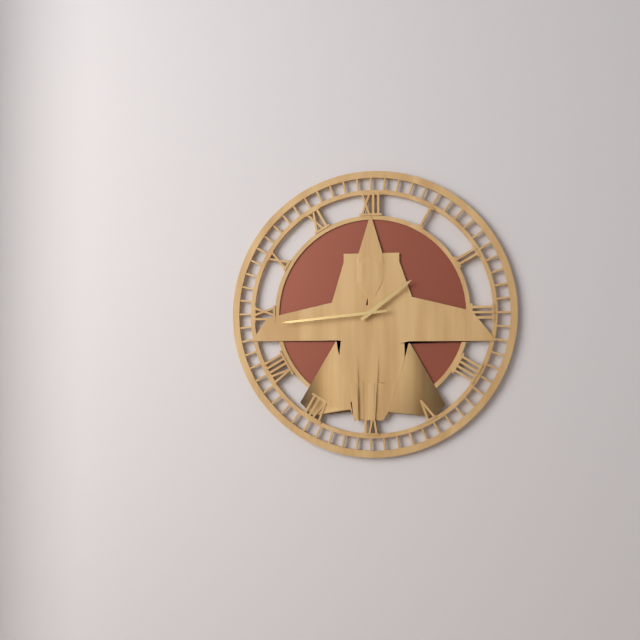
h=1 m=44
